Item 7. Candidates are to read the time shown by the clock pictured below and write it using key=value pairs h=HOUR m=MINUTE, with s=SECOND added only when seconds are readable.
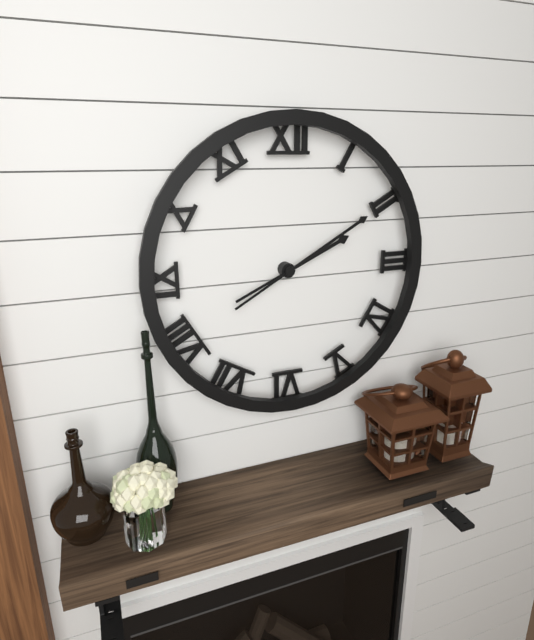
h=2 m=10
